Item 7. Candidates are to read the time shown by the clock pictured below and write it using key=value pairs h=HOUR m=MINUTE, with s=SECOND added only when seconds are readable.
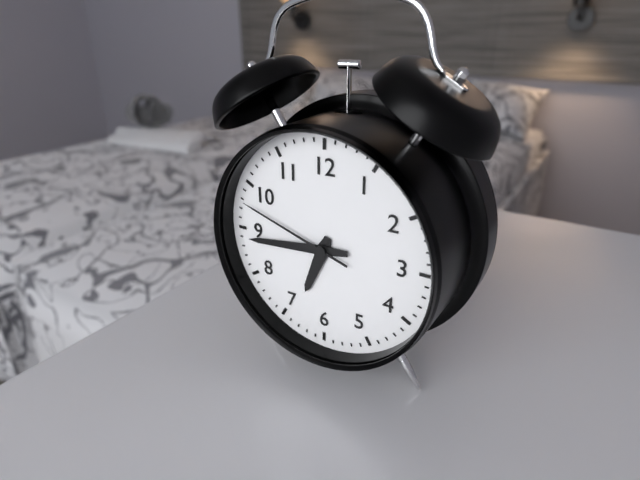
h=6 m=44 s=48
